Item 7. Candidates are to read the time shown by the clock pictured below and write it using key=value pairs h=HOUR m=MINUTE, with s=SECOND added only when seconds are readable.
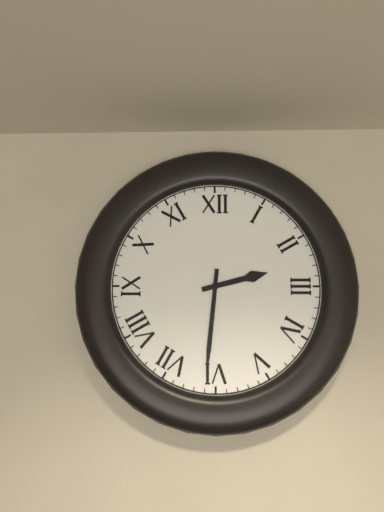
h=2 m=31
